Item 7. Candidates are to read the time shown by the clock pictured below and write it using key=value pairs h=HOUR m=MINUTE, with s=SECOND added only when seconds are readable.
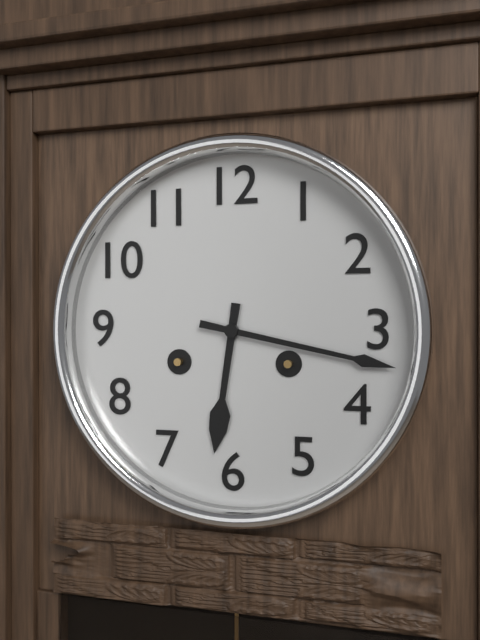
h=6 m=17
